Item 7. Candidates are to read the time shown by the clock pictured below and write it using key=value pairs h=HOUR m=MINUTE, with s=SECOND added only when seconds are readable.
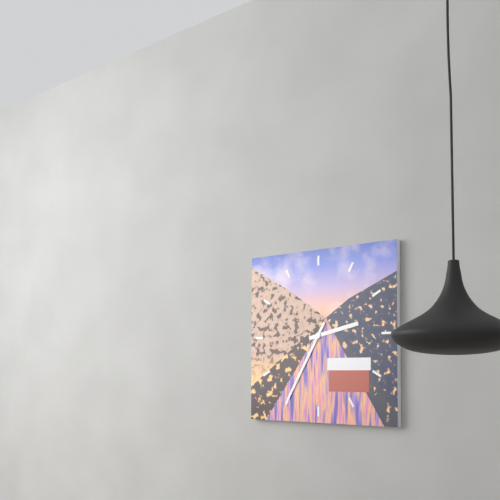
h=2 m=35
